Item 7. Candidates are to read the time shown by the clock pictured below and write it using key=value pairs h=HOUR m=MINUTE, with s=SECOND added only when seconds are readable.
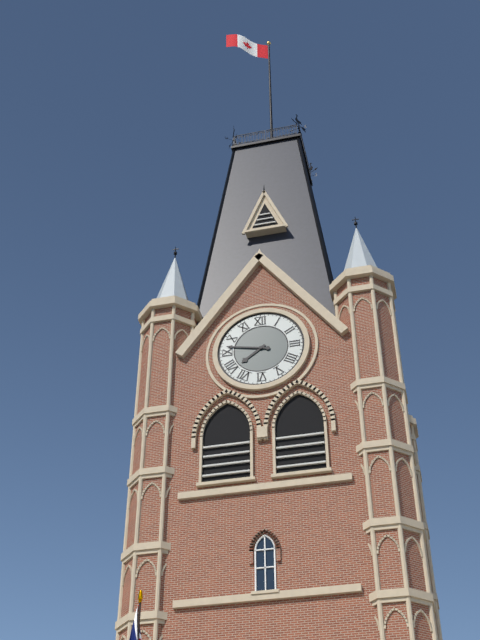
h=7 m=47
